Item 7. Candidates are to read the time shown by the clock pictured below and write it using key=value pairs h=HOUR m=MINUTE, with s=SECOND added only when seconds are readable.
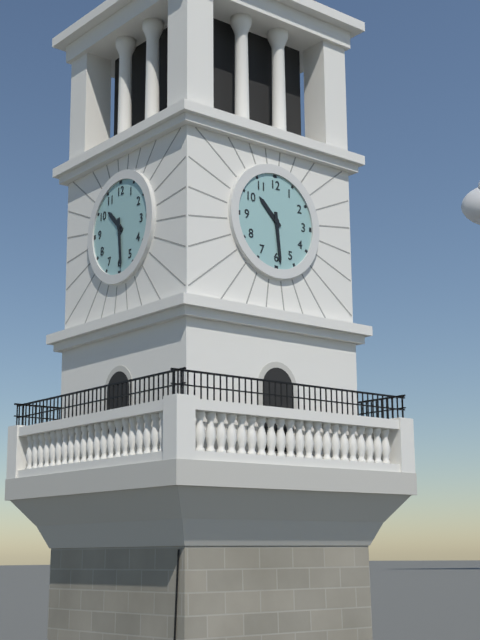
h=10 m=29
